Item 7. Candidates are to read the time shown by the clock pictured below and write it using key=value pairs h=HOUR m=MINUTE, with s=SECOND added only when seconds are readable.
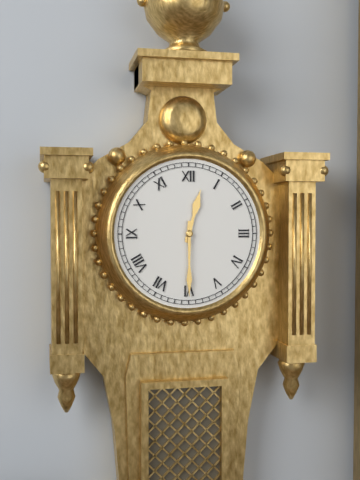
h=12 m=30
